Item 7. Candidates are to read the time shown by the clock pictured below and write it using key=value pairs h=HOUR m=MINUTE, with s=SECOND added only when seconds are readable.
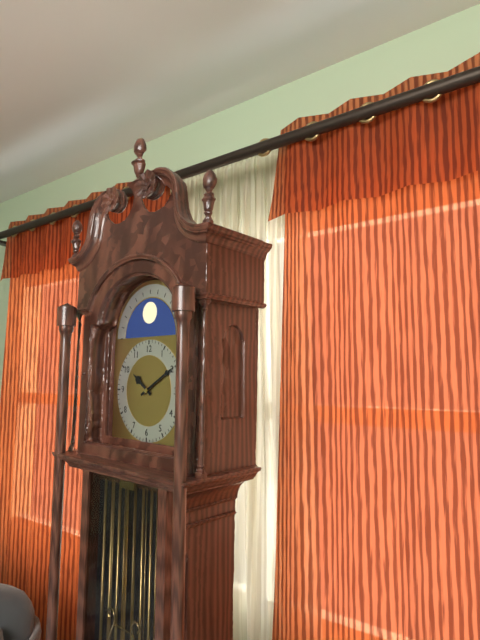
h=10 m=10
